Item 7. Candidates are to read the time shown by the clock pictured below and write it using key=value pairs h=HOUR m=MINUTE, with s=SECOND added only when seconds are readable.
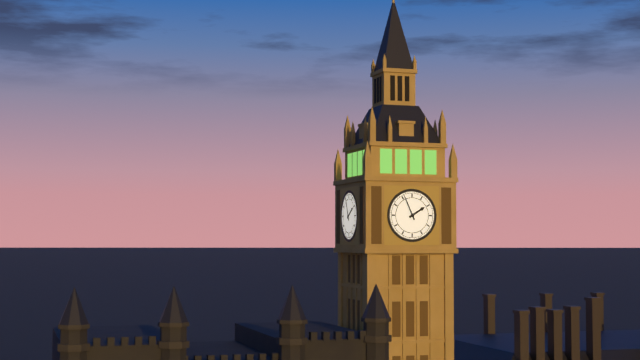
h=1 m=56
